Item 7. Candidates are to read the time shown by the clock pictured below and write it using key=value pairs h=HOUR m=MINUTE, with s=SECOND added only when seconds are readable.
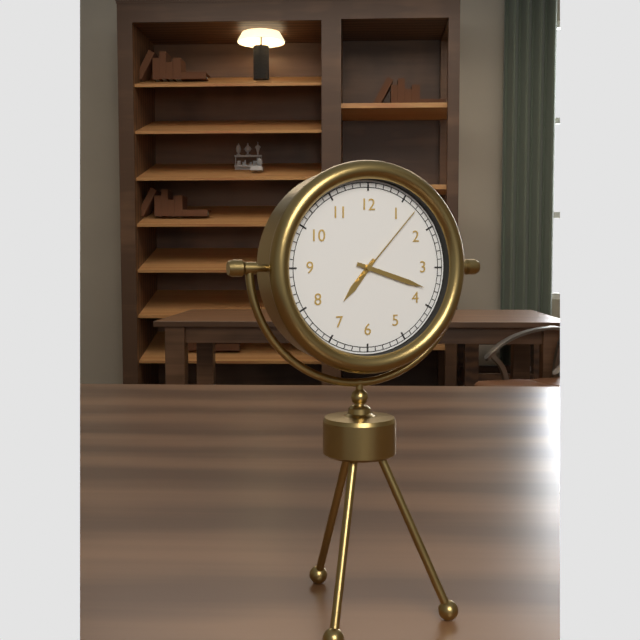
h=7 m=18 s=7
